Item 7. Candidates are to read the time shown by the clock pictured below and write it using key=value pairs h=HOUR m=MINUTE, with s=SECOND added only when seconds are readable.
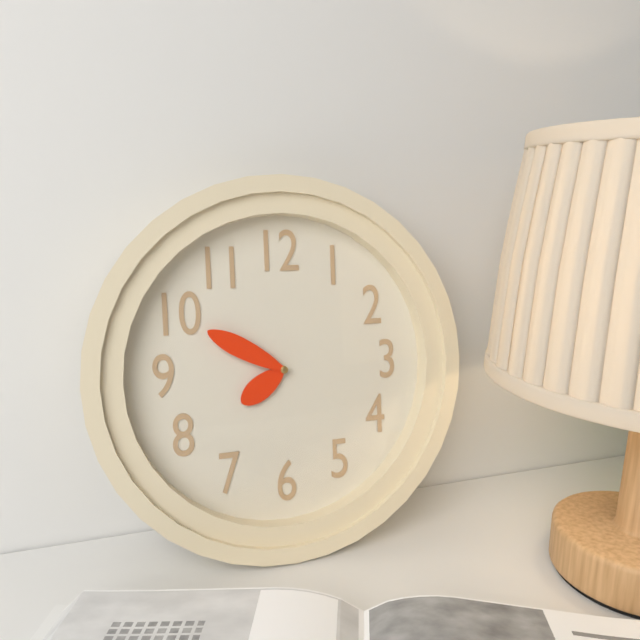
h=7 m=50
